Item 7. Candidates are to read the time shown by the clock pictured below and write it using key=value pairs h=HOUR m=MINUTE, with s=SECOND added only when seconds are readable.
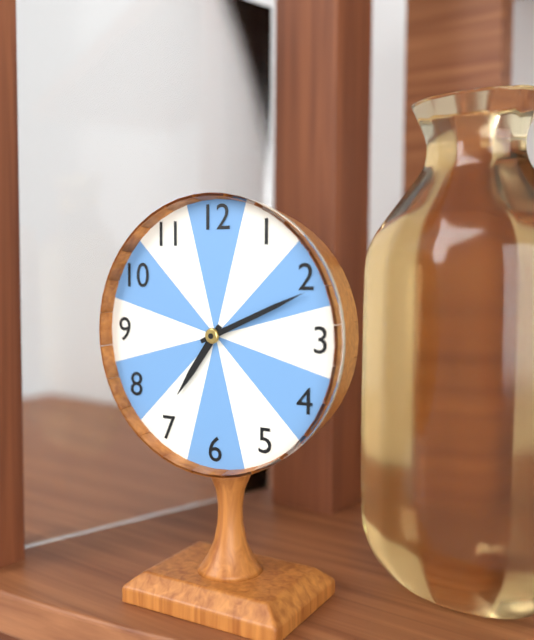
h=7 m=11
